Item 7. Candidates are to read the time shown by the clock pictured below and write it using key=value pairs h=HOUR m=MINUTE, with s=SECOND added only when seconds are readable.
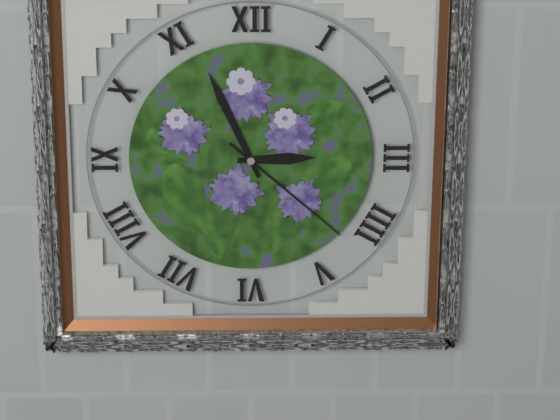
h=2 m=56 s=22
